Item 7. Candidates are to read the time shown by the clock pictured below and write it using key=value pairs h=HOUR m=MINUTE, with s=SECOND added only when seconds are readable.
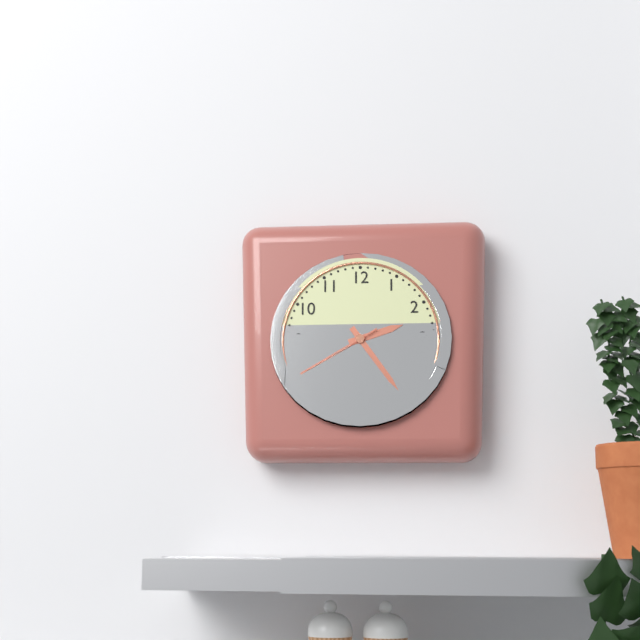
h=2 m=24 s=40
